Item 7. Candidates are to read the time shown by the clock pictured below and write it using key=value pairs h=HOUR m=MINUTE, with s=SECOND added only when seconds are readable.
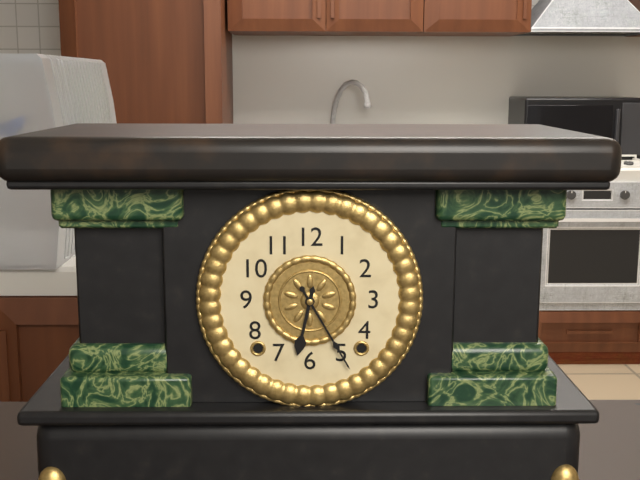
h=6 m=25
